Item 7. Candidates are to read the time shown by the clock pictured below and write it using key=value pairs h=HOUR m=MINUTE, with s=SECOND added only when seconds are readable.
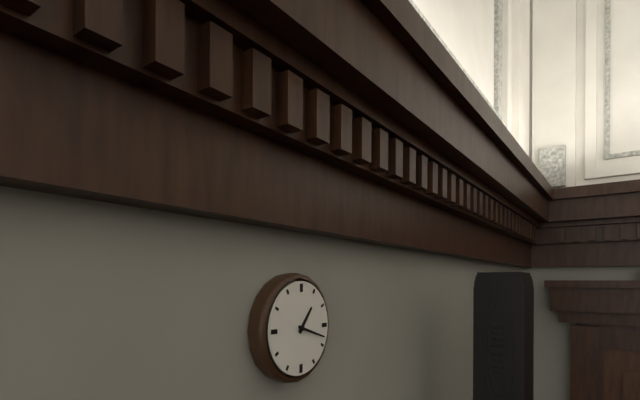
h=1 m=18
